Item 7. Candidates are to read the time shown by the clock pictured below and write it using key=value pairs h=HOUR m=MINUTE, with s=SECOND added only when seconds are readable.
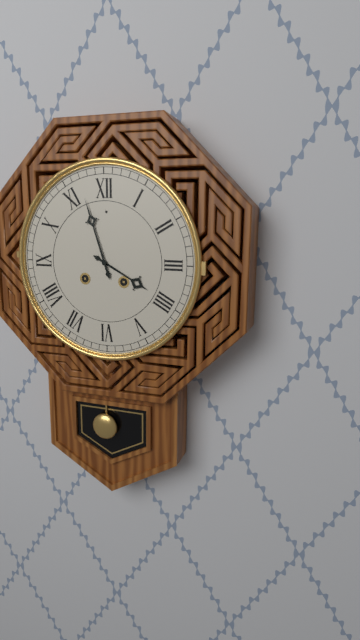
h=3 m=57
